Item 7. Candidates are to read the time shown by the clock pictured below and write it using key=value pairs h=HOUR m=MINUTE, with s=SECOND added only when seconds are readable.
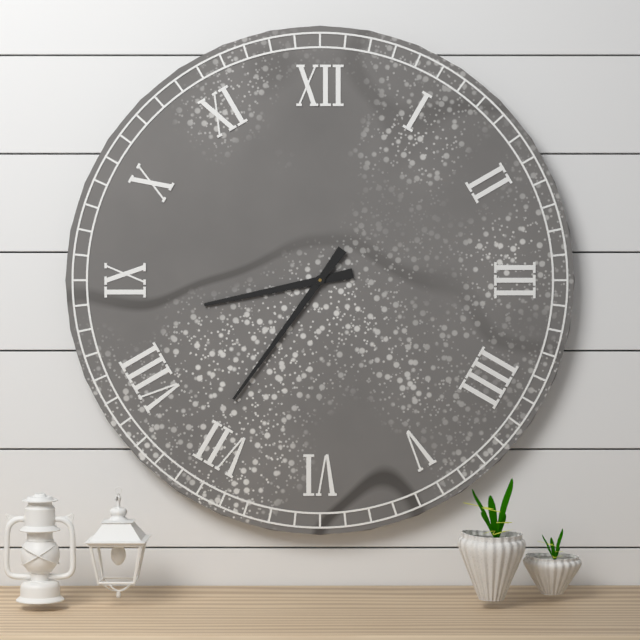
h=8 m=36
